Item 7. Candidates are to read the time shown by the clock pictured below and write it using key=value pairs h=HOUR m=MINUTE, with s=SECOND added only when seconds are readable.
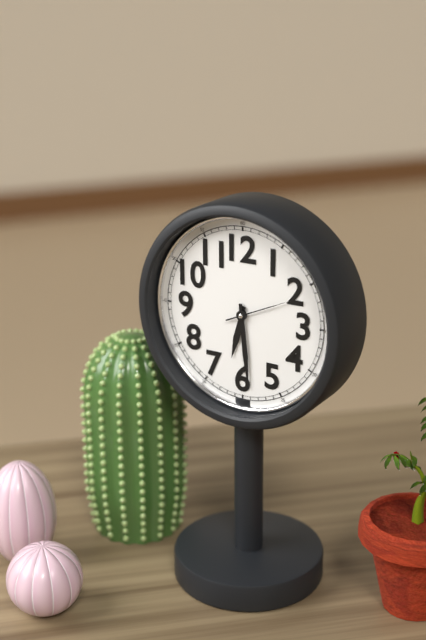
h=6 m=29 s=11
